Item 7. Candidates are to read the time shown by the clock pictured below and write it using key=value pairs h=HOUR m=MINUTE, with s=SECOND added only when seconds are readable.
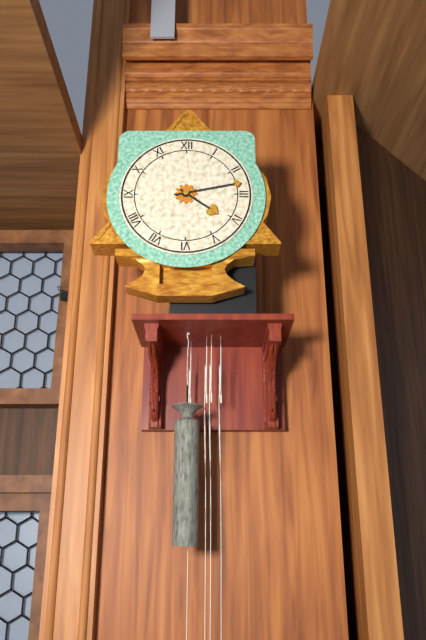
h=4 m=13
